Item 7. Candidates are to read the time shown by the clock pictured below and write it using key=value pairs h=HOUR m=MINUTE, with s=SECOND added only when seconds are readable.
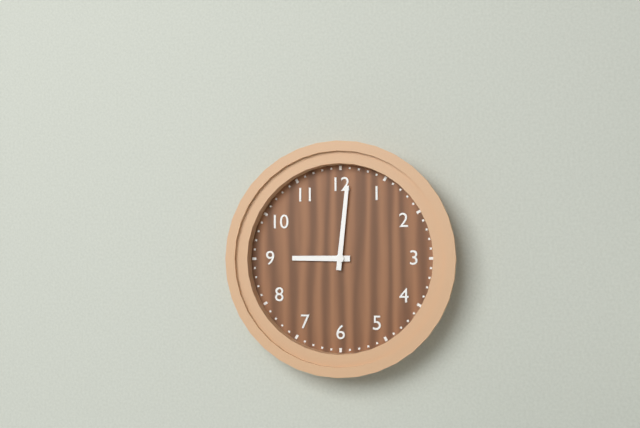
h=9 m=1
